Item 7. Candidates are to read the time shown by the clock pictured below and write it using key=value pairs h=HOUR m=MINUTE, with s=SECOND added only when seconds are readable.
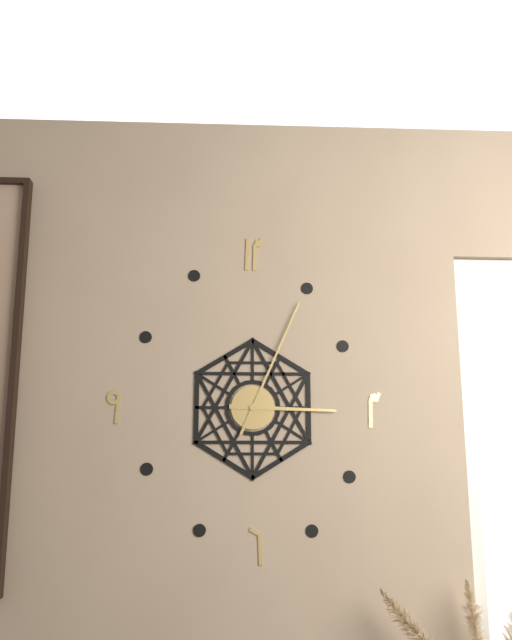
h=3 m=4
